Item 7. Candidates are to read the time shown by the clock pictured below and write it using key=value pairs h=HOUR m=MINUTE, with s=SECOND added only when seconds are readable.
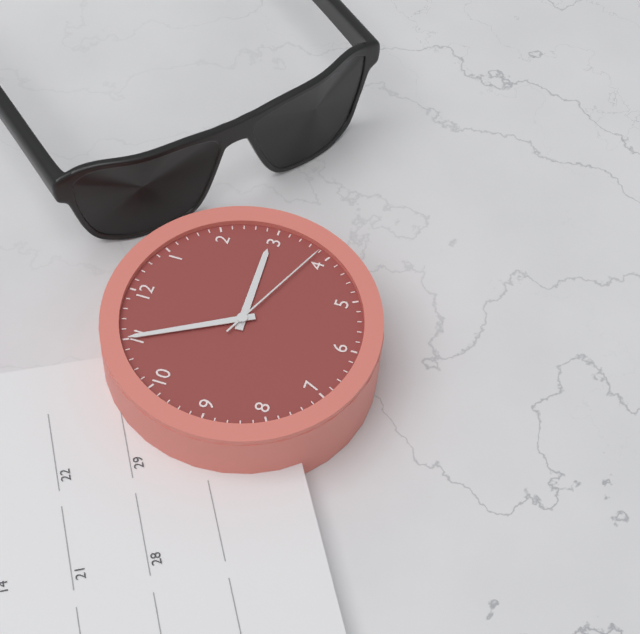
h=2 m=55 s=19
